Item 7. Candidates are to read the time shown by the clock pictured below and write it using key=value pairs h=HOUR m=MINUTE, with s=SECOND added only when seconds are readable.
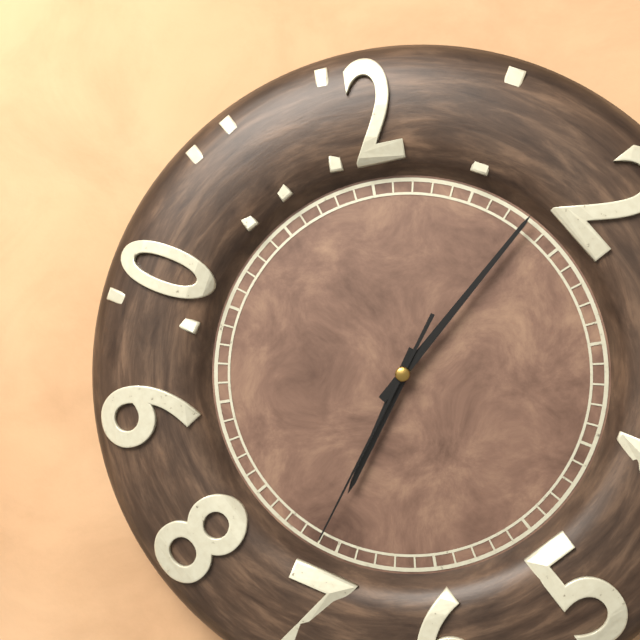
h=7 m=8 s=36
